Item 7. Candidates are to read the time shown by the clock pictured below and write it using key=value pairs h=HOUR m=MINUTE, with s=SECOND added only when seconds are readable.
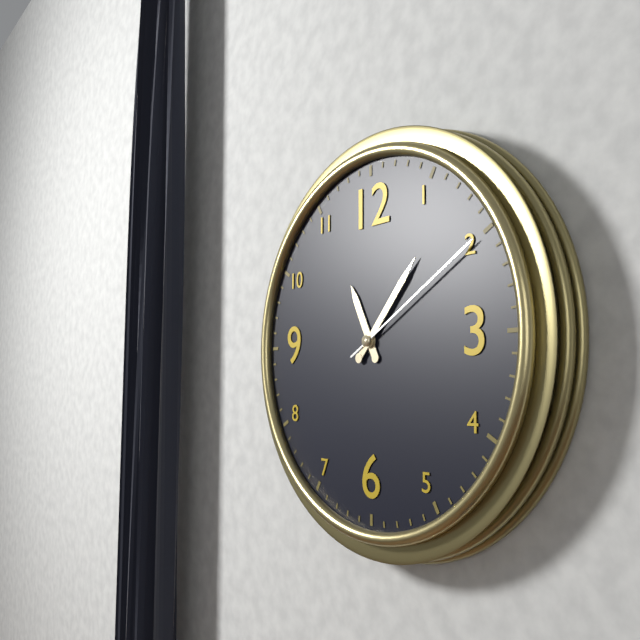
h=11 m=7 s=10
